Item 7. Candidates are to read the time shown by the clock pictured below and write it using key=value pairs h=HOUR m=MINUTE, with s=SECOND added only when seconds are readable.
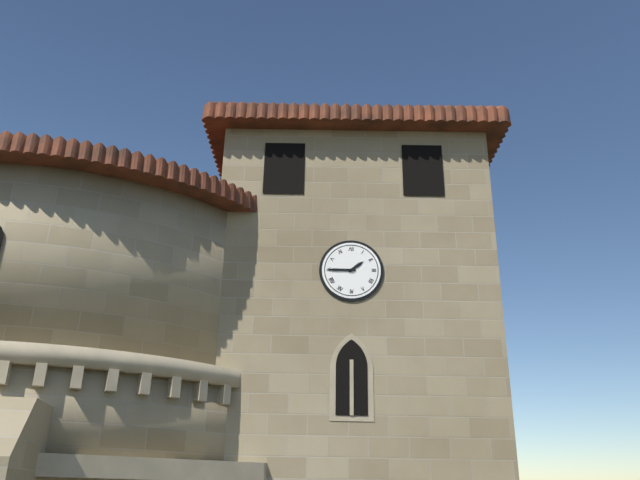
h=1 m=45
